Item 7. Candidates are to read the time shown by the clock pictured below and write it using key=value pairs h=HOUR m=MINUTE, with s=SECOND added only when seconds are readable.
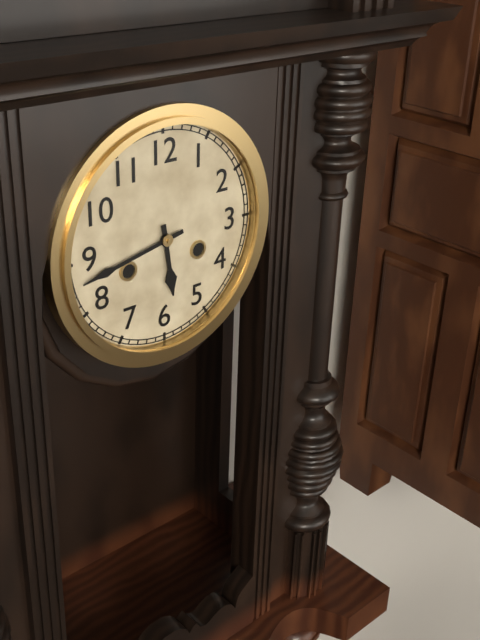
h=5 m=43
